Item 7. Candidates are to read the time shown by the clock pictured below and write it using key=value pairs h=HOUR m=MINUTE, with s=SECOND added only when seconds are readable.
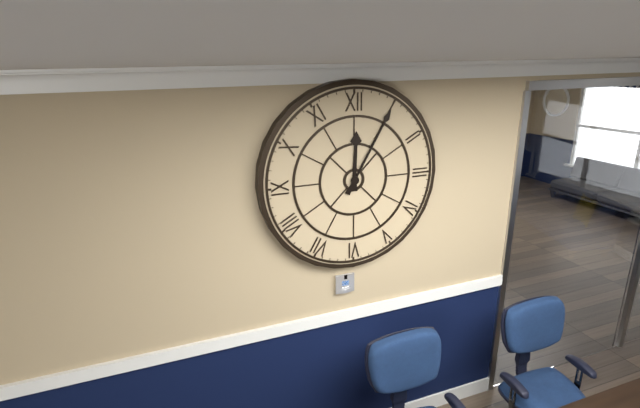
h=12 m=5
